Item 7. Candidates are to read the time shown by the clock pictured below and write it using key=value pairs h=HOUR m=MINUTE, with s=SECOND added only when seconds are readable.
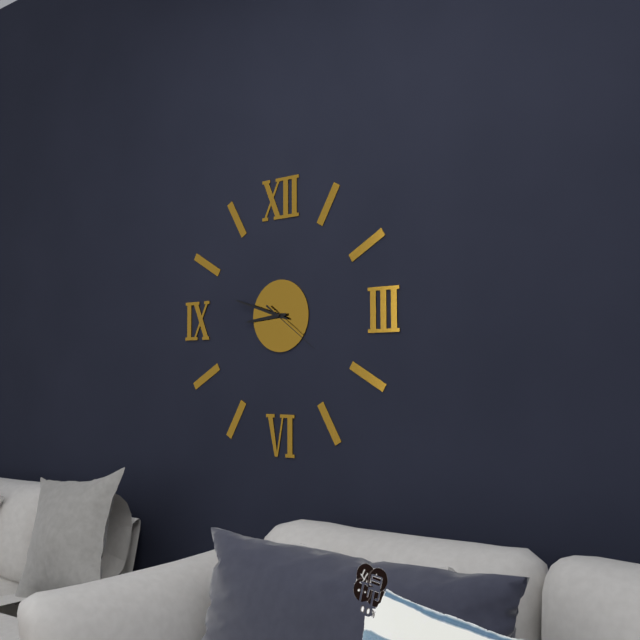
h=8 m=48 s=21
